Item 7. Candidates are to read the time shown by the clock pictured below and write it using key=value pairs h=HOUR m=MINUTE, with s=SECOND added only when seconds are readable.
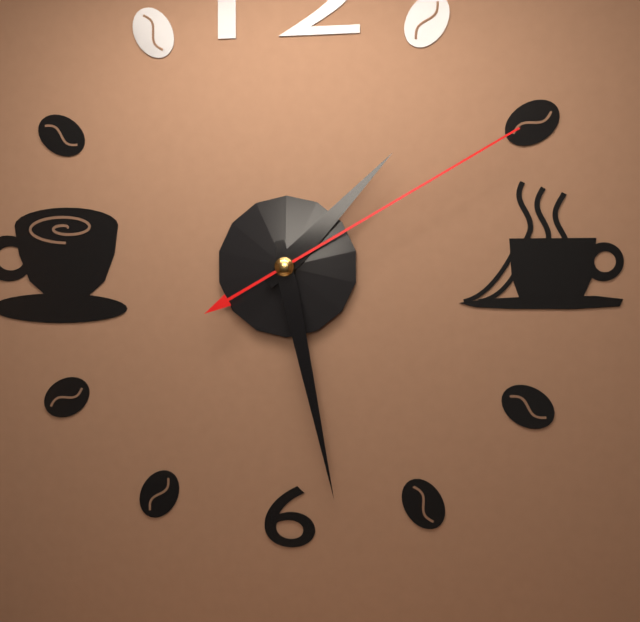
h=1 m=28 s=10
